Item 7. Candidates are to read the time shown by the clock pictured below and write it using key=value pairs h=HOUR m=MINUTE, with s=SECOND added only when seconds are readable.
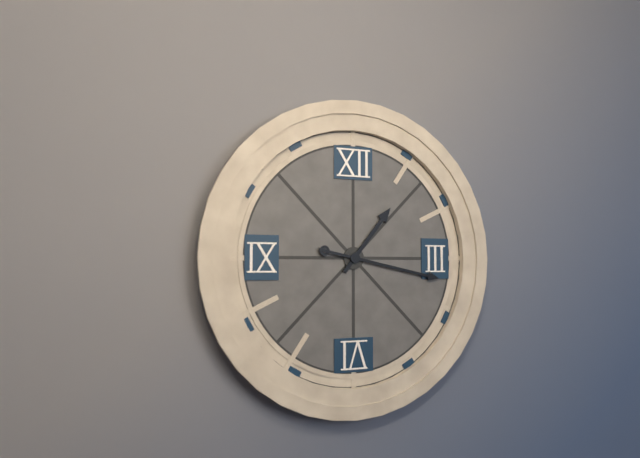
h=1 m=17
